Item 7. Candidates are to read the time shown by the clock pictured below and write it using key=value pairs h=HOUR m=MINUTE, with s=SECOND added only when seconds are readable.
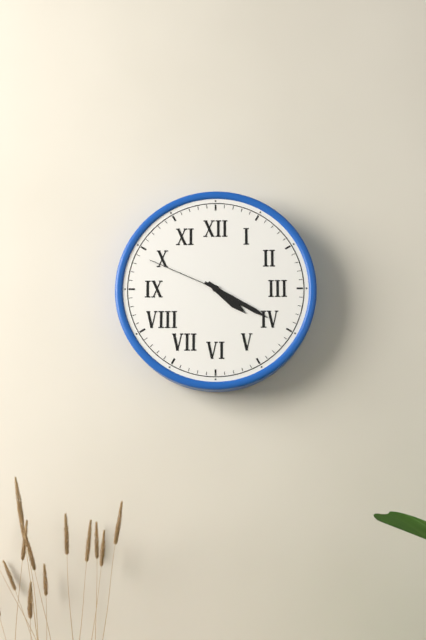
h=4 m=20 s=49
